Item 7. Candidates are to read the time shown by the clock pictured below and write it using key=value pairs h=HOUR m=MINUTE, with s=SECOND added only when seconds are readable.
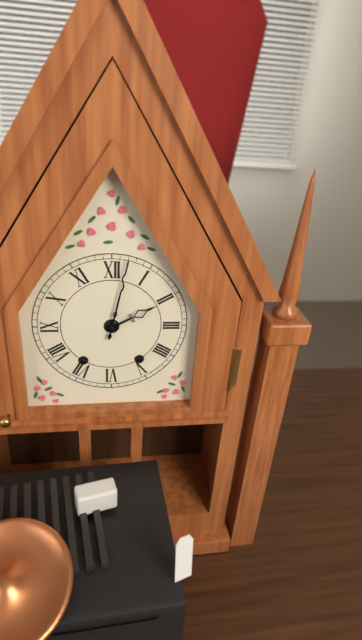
h=2 m=2
